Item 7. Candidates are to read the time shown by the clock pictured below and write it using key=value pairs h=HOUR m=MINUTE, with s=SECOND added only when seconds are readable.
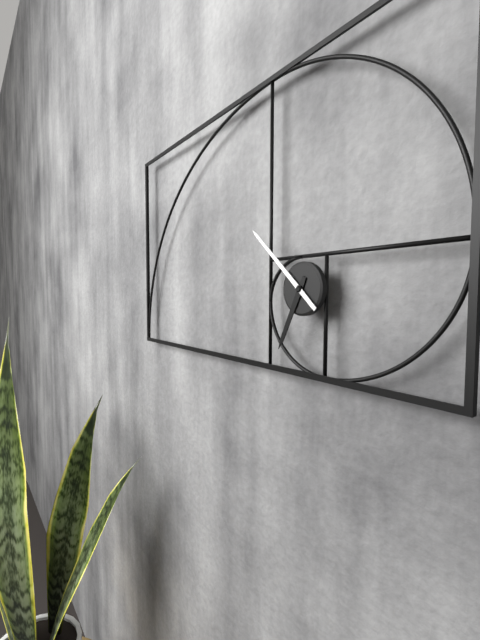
h=6 m=52
